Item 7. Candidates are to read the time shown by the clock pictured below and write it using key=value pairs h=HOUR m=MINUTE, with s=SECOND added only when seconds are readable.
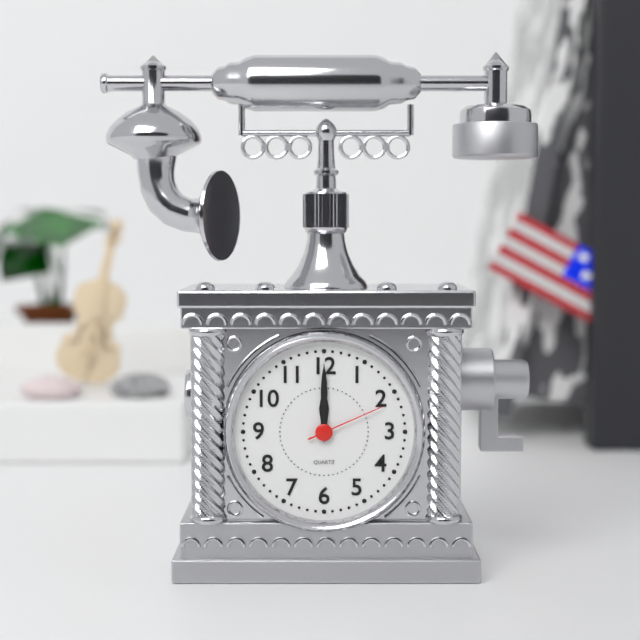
h=12 m=0 s=11
